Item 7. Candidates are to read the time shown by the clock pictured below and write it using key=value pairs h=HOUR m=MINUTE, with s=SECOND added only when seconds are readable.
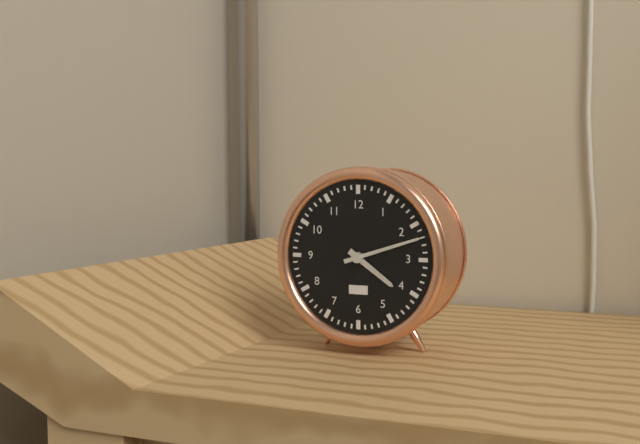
h=4 m=12
